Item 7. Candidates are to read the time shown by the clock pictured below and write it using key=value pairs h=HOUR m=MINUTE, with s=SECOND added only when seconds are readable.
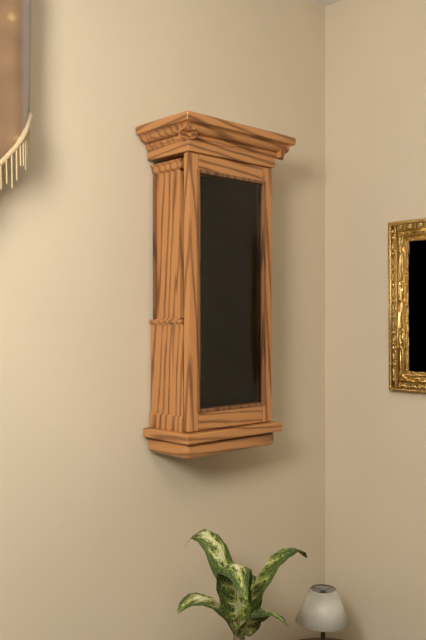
h=9 m=2
